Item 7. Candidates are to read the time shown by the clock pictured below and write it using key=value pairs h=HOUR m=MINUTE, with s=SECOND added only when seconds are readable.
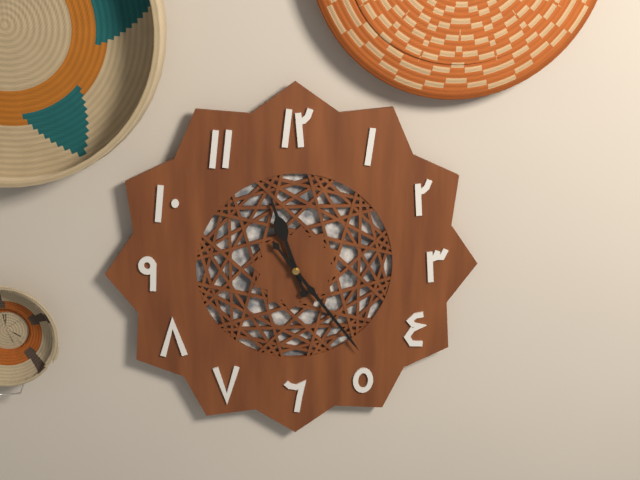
h=11 m=24
